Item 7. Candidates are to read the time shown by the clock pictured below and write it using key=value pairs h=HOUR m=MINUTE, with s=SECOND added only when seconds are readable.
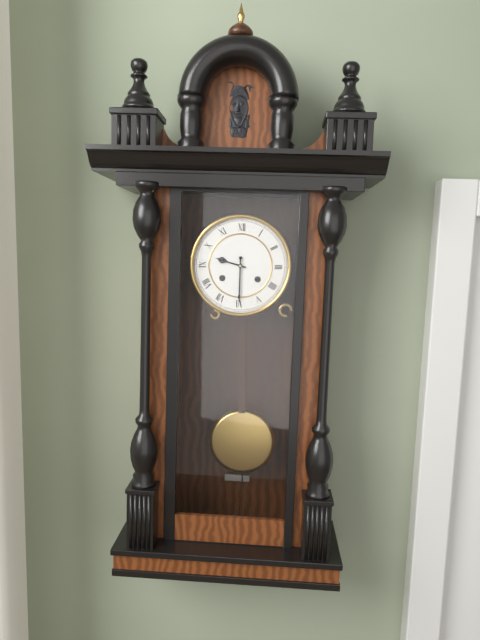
h=9 m=30
